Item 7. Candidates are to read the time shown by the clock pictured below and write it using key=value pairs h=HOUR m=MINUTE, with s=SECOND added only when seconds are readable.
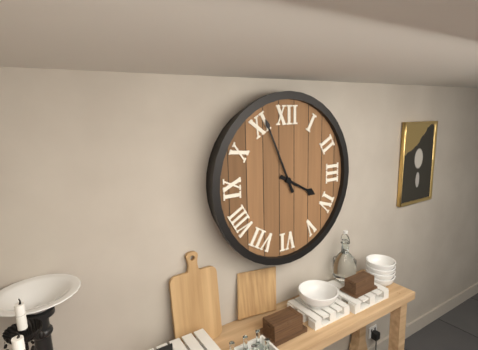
h=3 m=56
